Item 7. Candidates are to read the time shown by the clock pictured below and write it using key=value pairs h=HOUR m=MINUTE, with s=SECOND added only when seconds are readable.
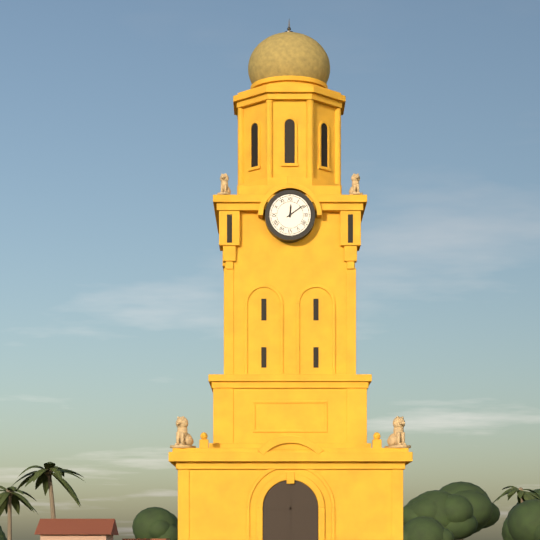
h=12 m=9
